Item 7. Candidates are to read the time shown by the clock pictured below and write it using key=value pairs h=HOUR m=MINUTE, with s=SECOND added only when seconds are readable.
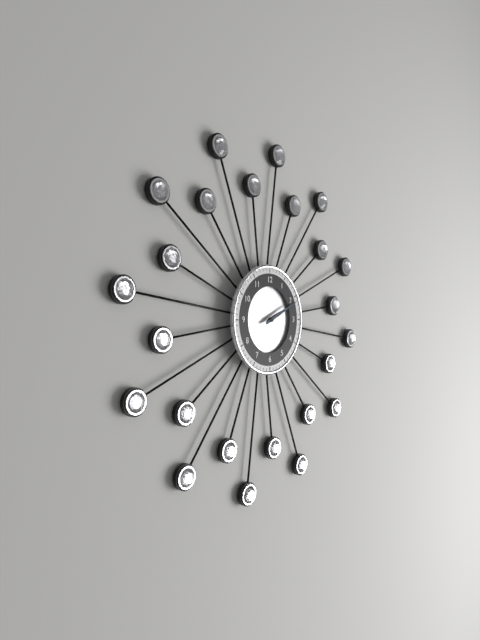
h=2 m=11
